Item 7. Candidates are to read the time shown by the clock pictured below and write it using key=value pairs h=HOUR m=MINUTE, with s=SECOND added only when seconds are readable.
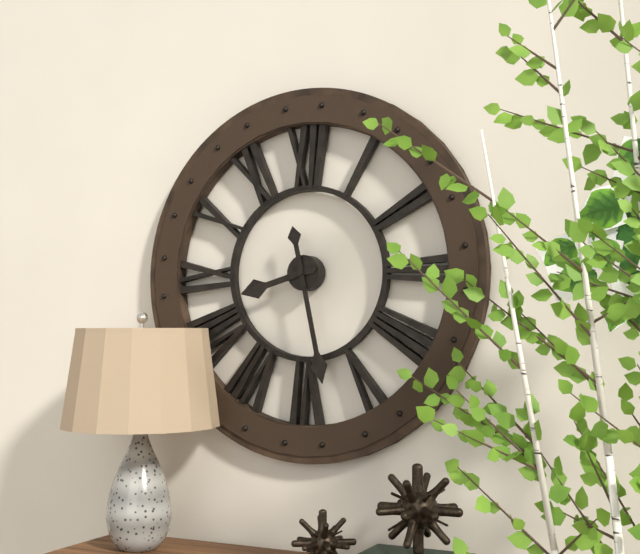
h=8 m=28
